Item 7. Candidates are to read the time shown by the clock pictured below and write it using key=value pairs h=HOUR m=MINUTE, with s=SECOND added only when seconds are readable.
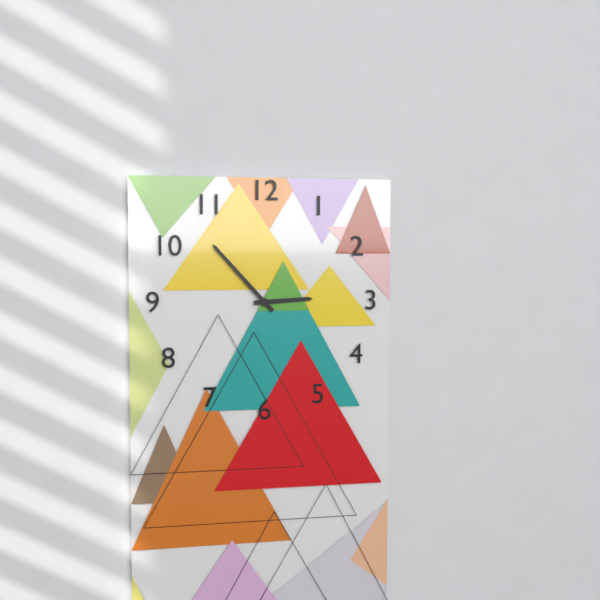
h=2 m=53
